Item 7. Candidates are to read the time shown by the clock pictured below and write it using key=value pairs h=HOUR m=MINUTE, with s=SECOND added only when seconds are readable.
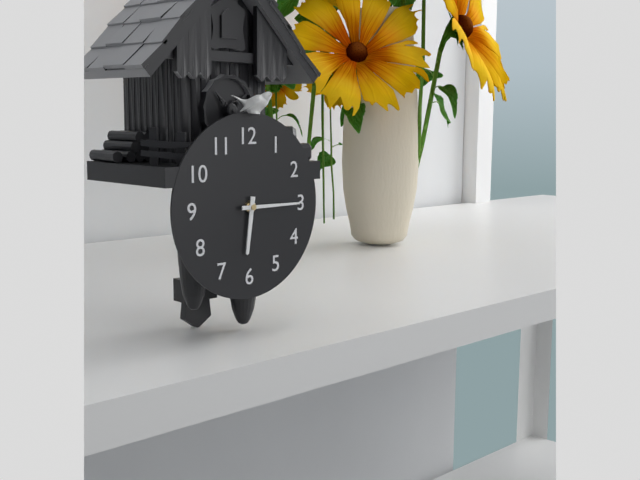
h=6 m=15
